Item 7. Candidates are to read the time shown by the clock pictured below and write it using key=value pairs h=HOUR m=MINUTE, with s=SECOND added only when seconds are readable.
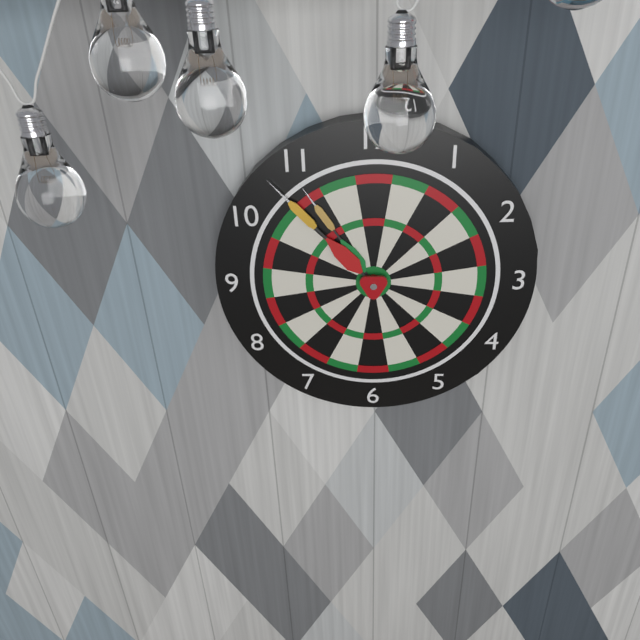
h=10 m=53
